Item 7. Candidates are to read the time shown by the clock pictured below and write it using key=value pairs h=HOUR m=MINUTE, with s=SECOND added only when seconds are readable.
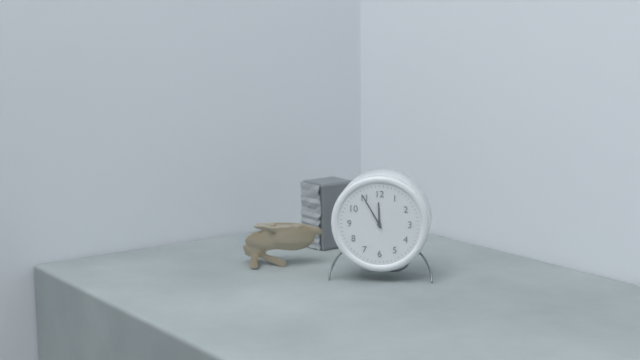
h=11 m=55
